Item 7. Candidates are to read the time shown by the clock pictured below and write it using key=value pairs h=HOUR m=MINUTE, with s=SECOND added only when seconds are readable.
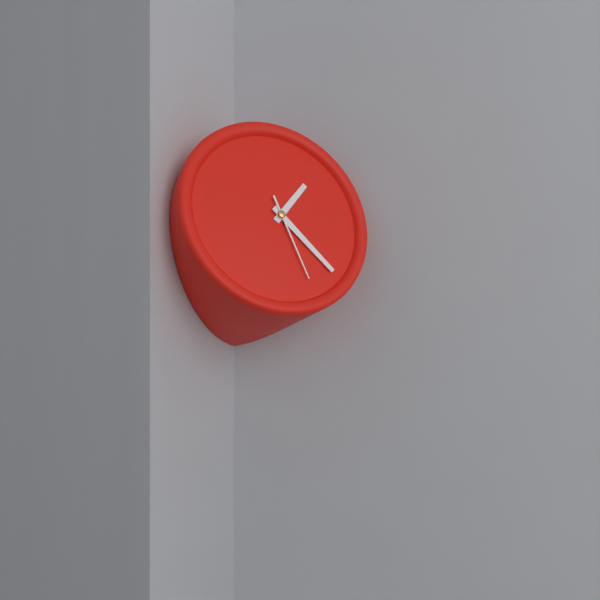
h=1 m=23 s=27
